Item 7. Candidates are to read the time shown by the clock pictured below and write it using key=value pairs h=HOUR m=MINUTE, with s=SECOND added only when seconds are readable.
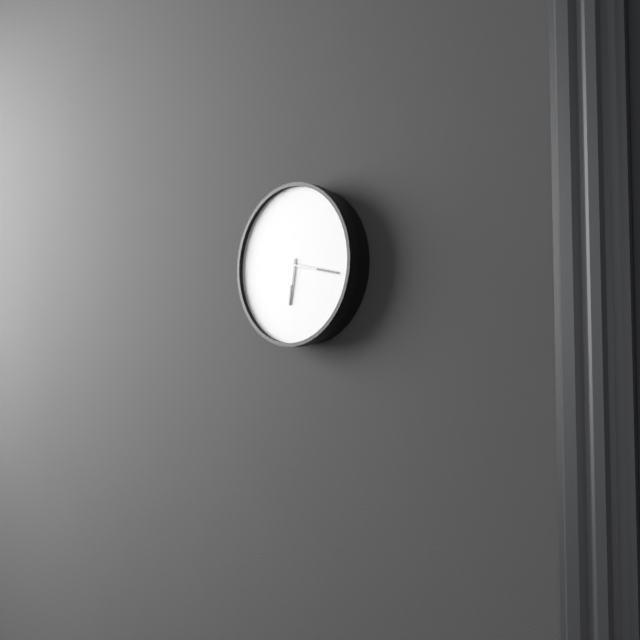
h=6 m=17
